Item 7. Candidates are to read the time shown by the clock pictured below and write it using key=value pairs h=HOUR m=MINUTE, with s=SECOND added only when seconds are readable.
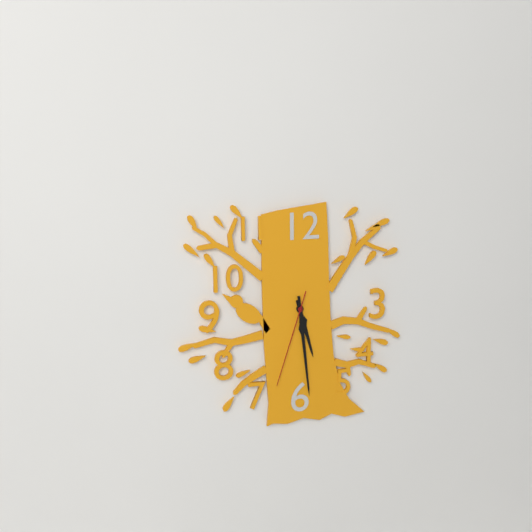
h=5 m=29 s=33
